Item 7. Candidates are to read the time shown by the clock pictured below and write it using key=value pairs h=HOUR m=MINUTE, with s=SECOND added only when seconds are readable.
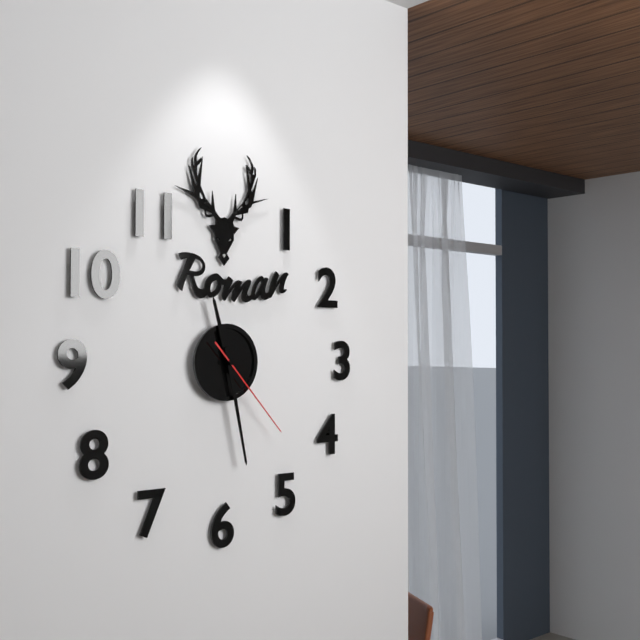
h=11 m=28 s=23
